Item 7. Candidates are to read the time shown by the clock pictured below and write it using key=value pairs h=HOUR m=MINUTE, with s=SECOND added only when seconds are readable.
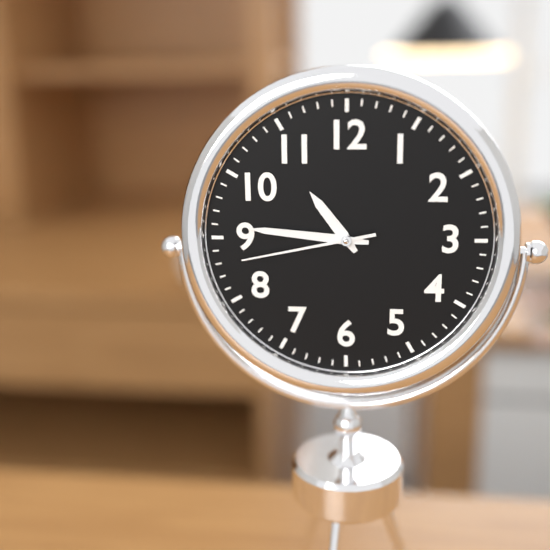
h=10 m=46 s=43
